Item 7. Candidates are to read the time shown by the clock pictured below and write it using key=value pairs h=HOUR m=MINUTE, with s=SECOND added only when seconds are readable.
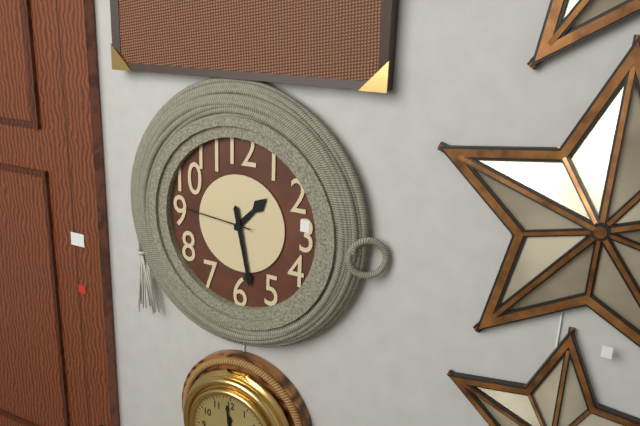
h=1 m=28 s=46
